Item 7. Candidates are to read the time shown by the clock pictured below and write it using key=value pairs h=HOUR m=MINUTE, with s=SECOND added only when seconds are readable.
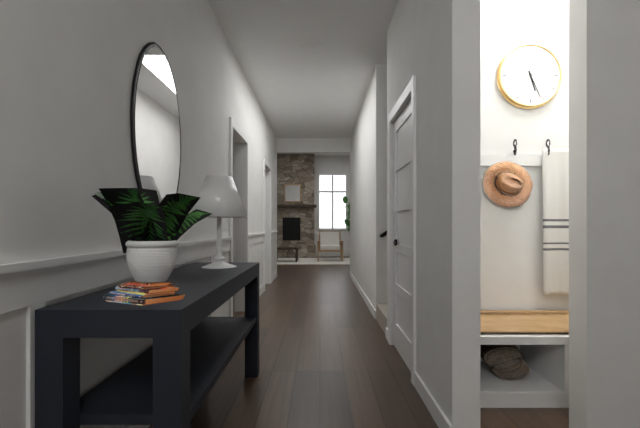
h=5 m=26
